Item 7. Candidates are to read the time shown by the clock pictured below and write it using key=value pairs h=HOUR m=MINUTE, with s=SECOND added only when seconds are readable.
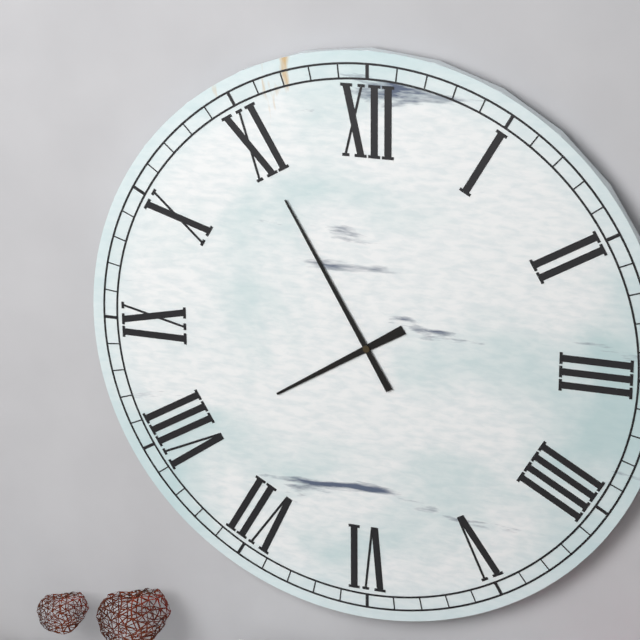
h=7 m=55
